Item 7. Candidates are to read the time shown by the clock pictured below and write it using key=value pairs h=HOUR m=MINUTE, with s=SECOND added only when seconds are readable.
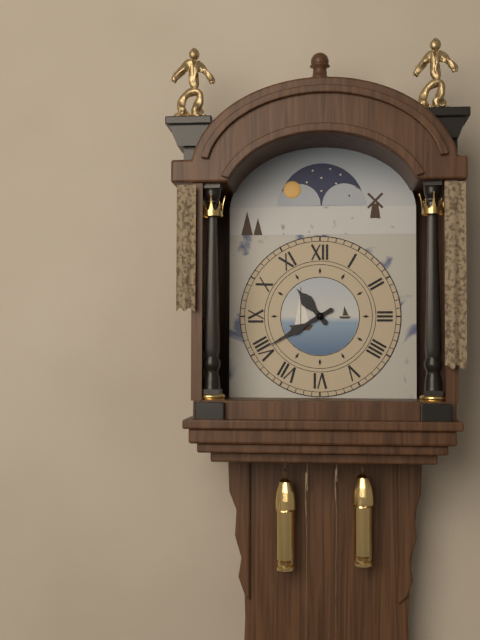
h=10 m=40
